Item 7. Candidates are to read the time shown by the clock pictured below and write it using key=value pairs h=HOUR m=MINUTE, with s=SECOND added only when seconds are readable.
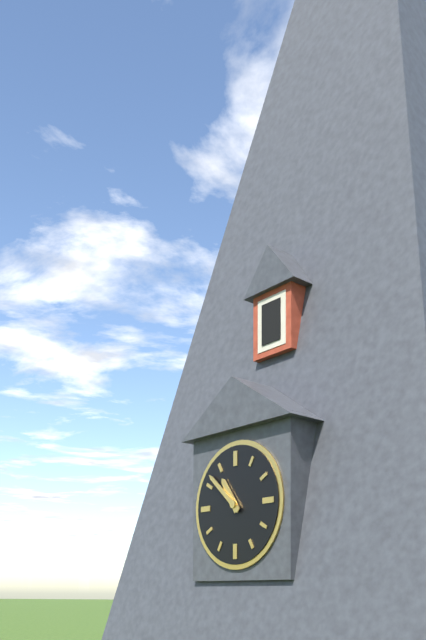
h=10 m=52
